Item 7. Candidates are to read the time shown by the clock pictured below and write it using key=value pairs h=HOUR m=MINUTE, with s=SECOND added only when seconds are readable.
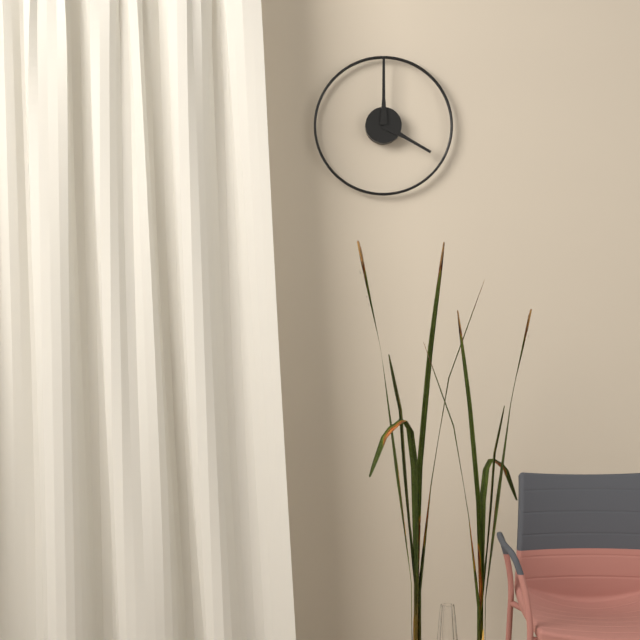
h=4 m=0
